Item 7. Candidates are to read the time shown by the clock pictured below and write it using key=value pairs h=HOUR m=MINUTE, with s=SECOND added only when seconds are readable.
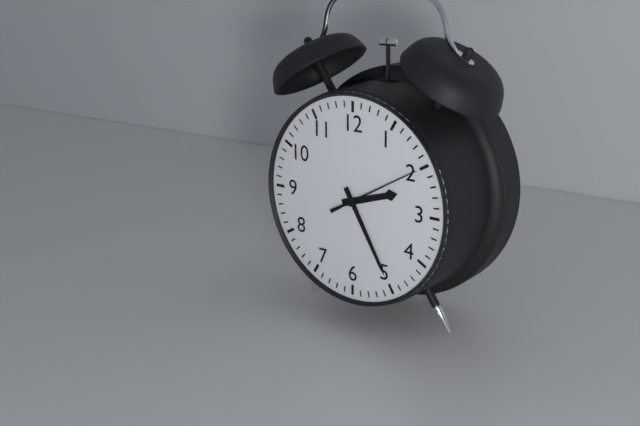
h=2 m=25 s=10
